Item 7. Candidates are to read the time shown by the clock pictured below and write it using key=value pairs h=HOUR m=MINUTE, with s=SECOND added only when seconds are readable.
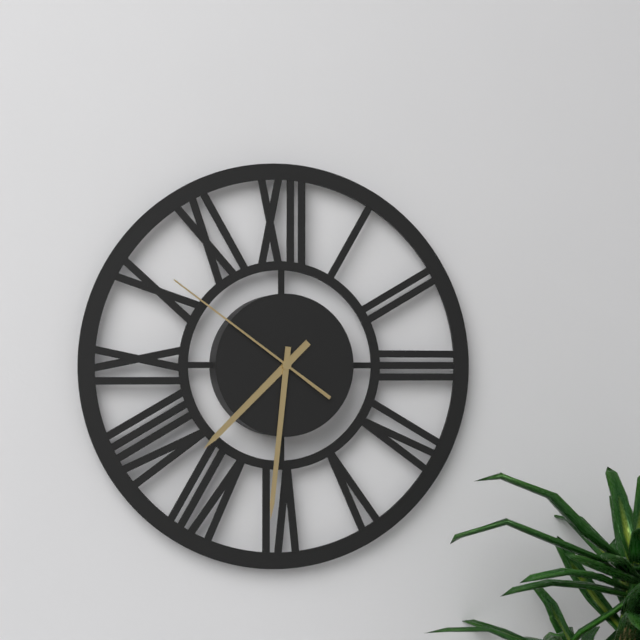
h=7 m=31 s=51
